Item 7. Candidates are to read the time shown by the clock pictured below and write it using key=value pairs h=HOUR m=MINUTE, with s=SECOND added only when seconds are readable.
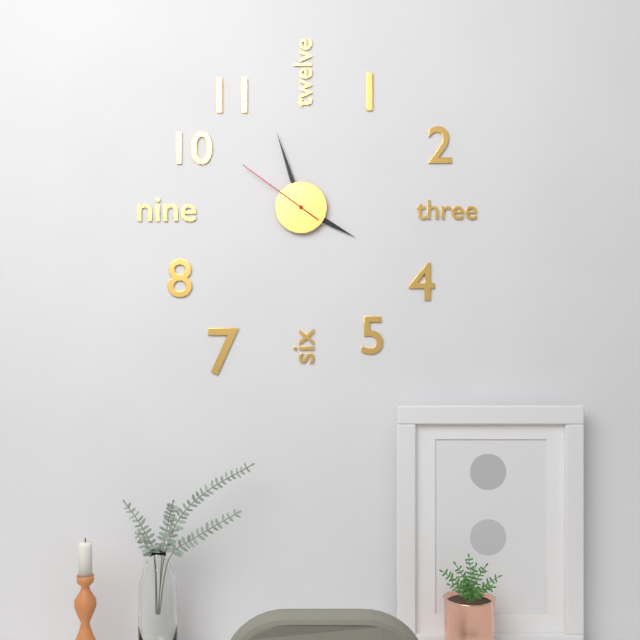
h=3 m=57 s=51
